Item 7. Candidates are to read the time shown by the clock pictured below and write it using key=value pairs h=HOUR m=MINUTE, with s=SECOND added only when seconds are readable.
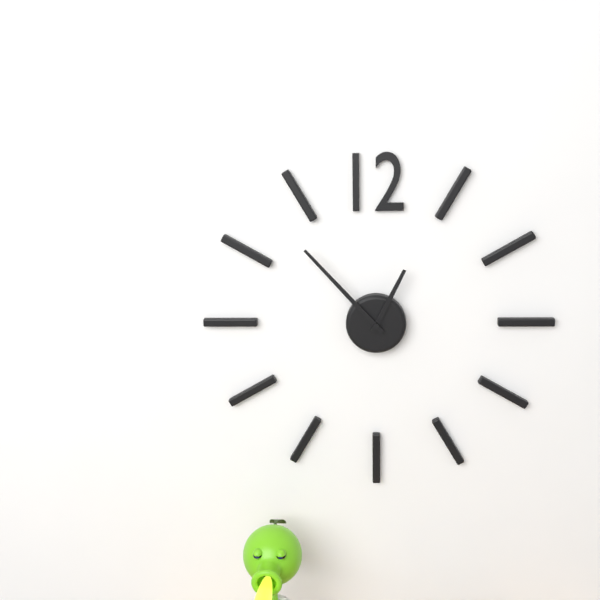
h=12 m=53
